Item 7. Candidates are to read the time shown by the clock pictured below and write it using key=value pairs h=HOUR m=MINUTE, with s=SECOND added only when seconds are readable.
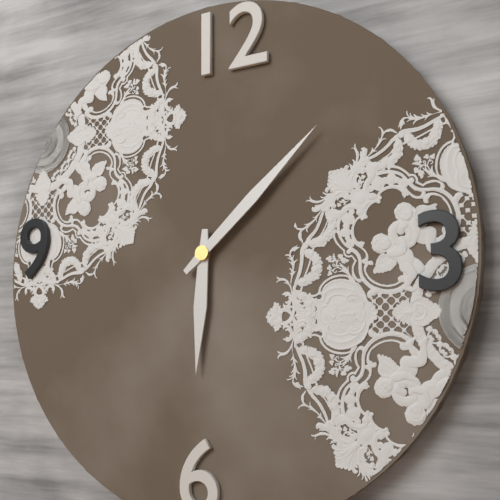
h=6 m=8
